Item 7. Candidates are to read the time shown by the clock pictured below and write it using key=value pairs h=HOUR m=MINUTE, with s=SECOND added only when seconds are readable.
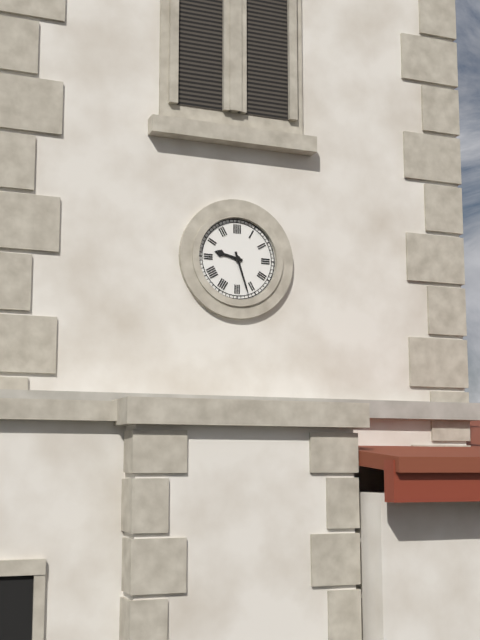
h=9 m=27
